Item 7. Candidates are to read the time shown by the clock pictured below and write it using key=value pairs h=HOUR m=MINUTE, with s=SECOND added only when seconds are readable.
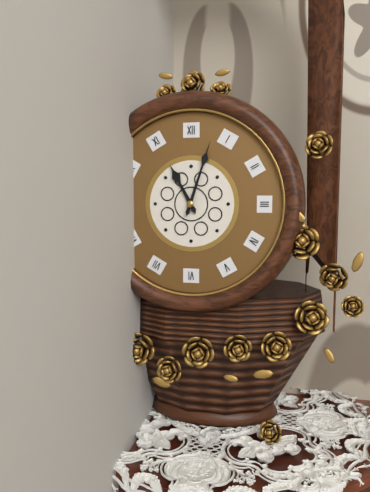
h=11 m=3
